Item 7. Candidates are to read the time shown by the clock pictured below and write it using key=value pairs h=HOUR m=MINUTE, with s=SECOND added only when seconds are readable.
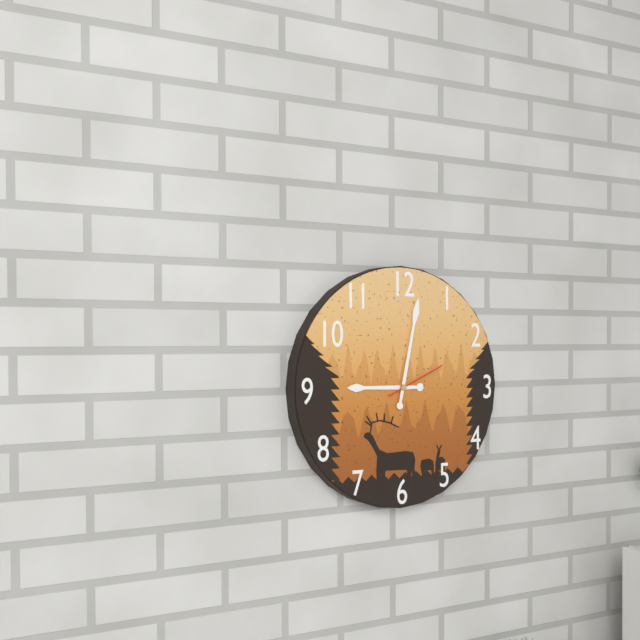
h=9 m=2 s=11
